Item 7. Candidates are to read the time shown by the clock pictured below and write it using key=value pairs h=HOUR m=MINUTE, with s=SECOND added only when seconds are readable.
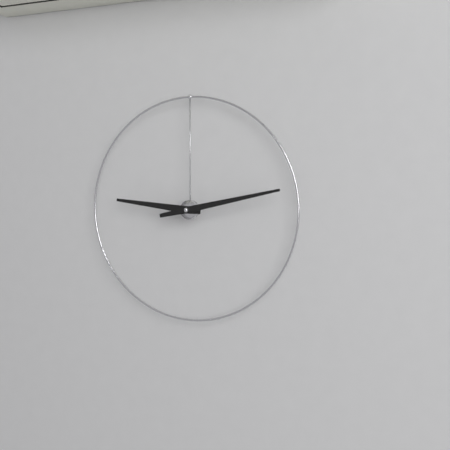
h=9 m=13
